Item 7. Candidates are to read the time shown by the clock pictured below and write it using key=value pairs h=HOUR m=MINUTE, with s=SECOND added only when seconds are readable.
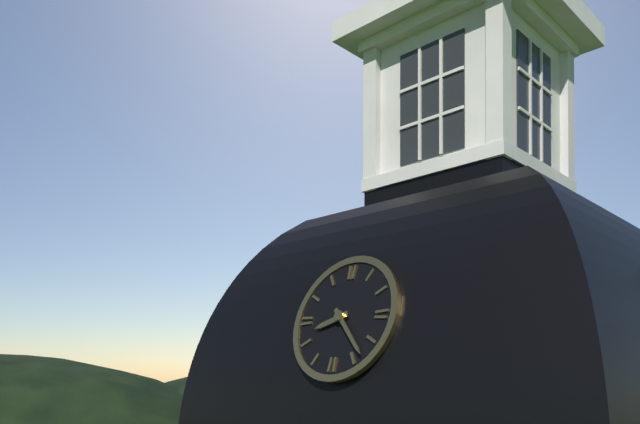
h=8 m=23
